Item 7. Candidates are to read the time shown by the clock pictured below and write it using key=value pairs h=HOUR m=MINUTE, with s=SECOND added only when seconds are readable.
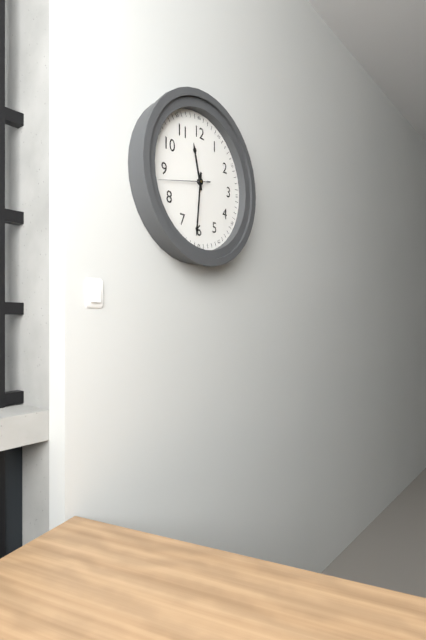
h=11 m=31 s=43
